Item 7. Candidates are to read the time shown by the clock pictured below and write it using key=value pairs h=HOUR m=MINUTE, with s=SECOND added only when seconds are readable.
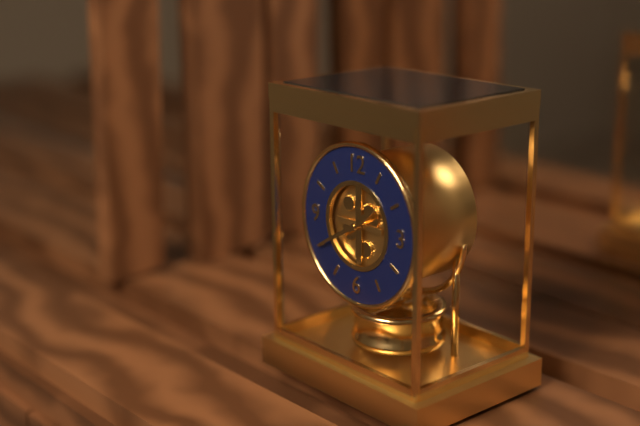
h=1 m=40
